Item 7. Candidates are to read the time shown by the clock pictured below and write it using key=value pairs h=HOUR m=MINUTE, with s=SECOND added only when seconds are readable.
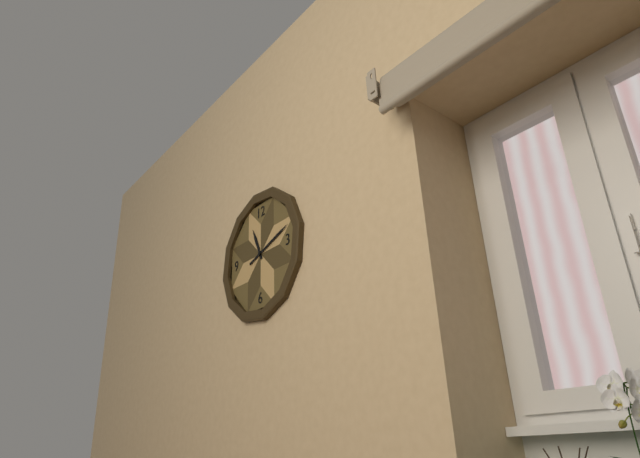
h=11 m=12
